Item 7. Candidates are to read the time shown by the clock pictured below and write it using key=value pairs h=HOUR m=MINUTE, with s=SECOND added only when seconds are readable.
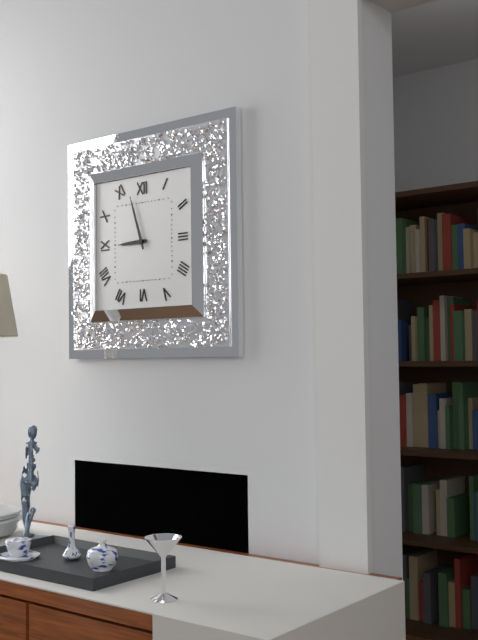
h=8 m=57
